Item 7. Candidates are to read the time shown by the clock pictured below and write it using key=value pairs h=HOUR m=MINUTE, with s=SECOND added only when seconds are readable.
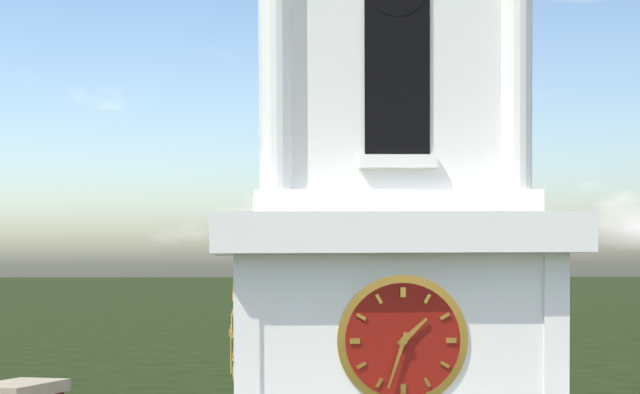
h=1 m=33
